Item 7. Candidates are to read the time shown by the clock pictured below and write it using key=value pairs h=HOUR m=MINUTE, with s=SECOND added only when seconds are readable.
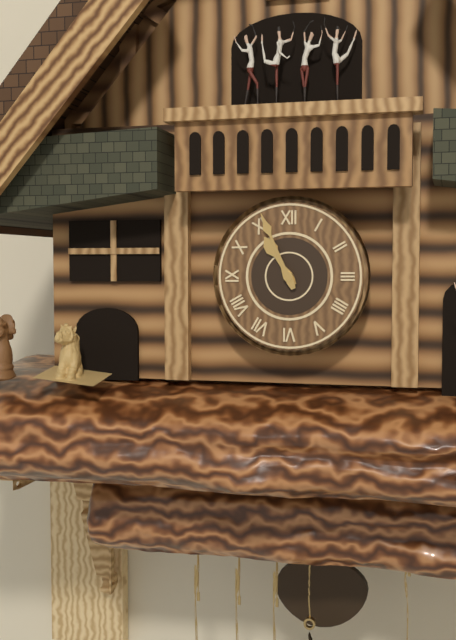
h=10 m=56
